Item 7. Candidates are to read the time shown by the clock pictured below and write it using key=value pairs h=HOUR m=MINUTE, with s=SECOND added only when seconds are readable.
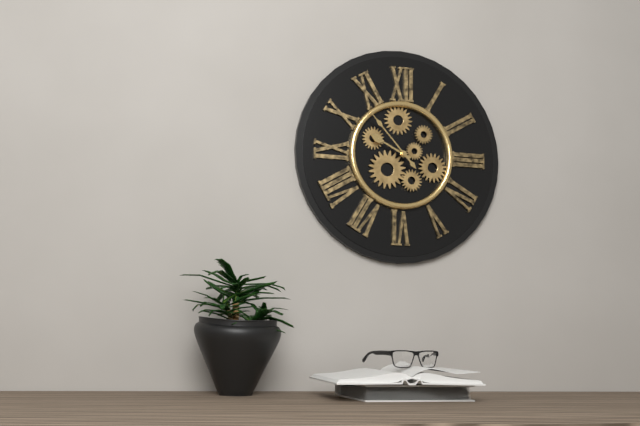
h=9 m=53
